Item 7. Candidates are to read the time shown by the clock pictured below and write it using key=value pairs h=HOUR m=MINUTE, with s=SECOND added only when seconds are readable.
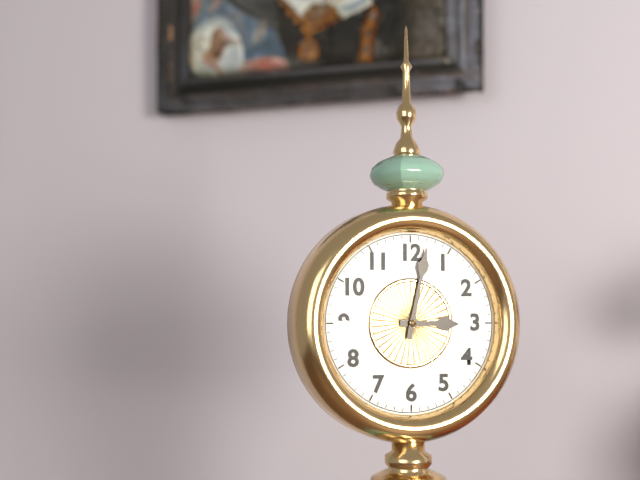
h=3 m=2
